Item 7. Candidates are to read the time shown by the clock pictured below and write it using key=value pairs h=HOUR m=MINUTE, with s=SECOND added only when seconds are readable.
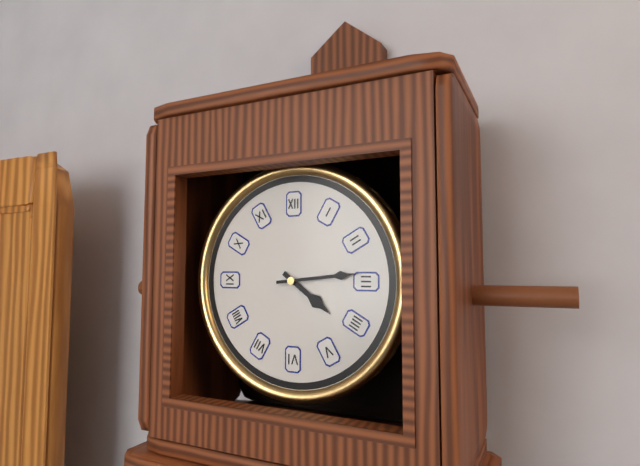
h=4 m=14
